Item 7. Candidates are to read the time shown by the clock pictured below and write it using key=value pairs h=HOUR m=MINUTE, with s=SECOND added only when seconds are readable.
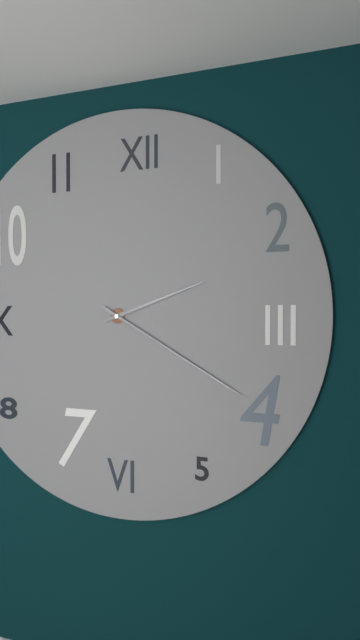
h=2 m=20
